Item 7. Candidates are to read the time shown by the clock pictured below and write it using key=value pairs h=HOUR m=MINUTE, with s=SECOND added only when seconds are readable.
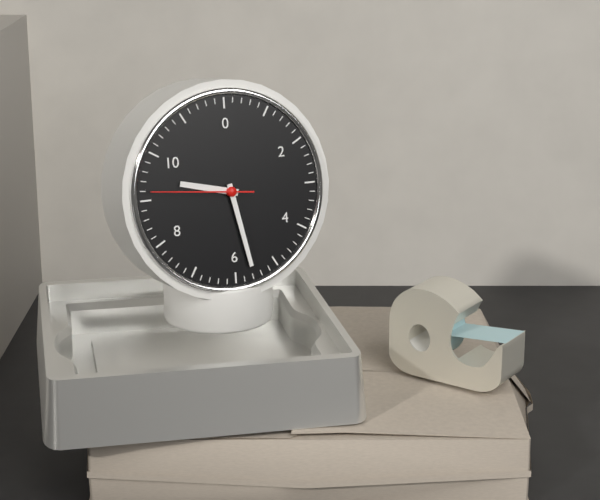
h=9 m=28 s=46
